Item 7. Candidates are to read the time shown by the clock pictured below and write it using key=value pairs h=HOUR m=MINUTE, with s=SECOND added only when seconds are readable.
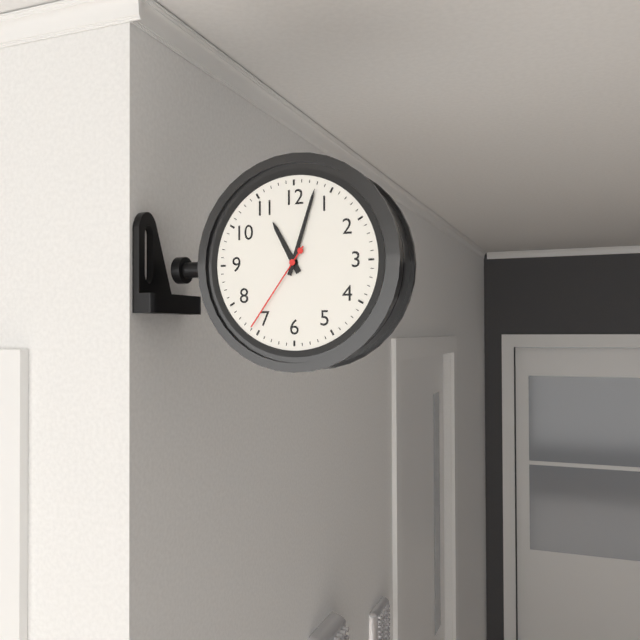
h=11 m=3 s=36
